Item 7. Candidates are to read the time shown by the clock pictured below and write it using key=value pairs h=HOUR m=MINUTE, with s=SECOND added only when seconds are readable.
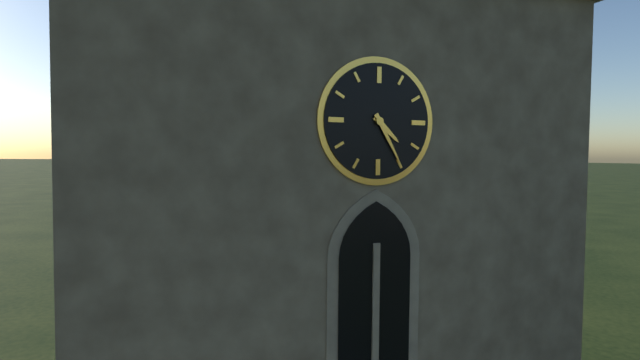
h=4 m=25
